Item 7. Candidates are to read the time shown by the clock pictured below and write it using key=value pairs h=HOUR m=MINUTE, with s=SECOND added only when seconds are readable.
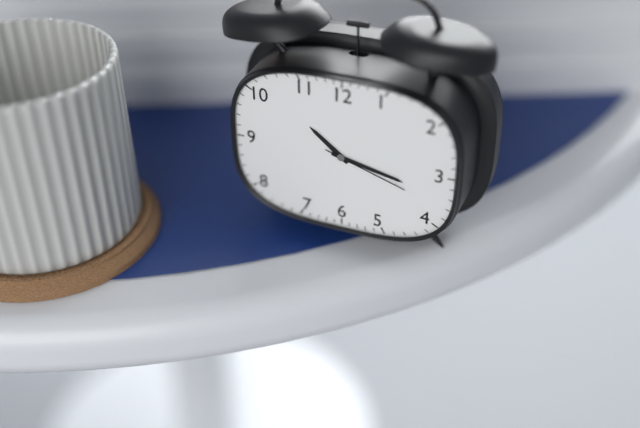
h=10 m=17 s=18
